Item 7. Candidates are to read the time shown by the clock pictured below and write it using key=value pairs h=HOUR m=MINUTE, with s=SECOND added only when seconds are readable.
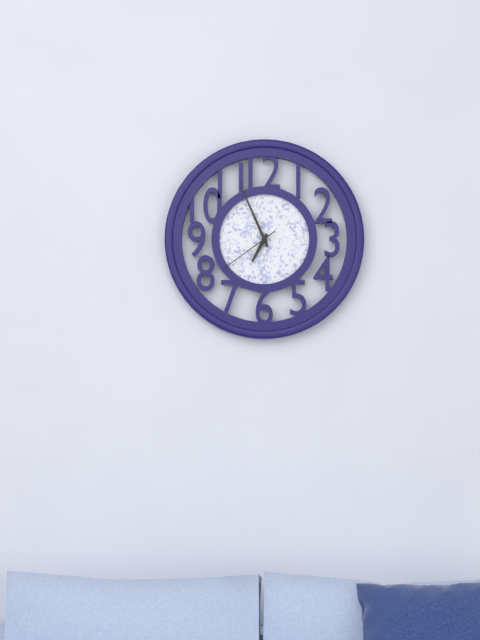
h=6 m=56 s=39
